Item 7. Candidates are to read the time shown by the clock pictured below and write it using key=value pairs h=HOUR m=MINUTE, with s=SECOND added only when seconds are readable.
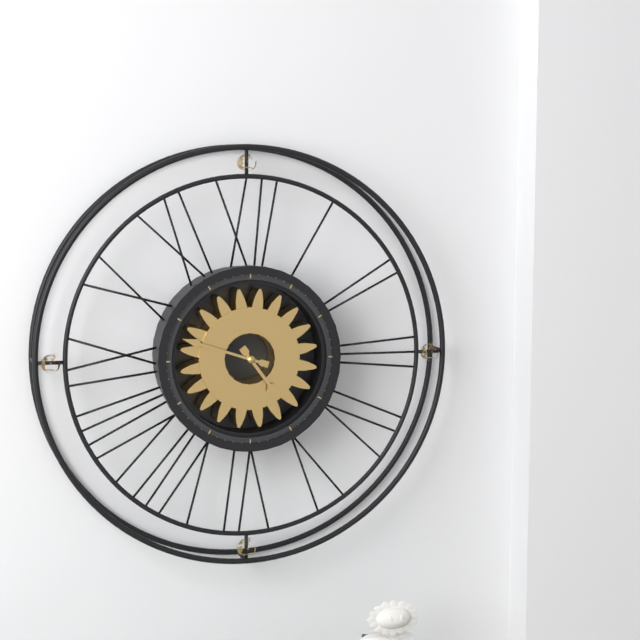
h=4 m=48
